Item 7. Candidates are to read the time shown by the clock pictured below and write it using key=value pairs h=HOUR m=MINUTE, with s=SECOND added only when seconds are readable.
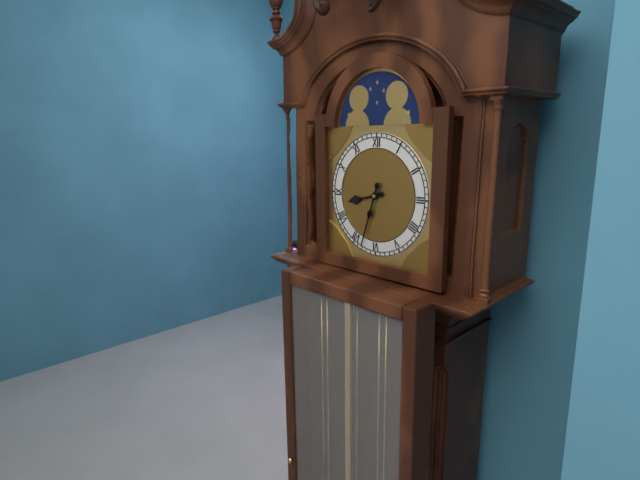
h=8 m=33
